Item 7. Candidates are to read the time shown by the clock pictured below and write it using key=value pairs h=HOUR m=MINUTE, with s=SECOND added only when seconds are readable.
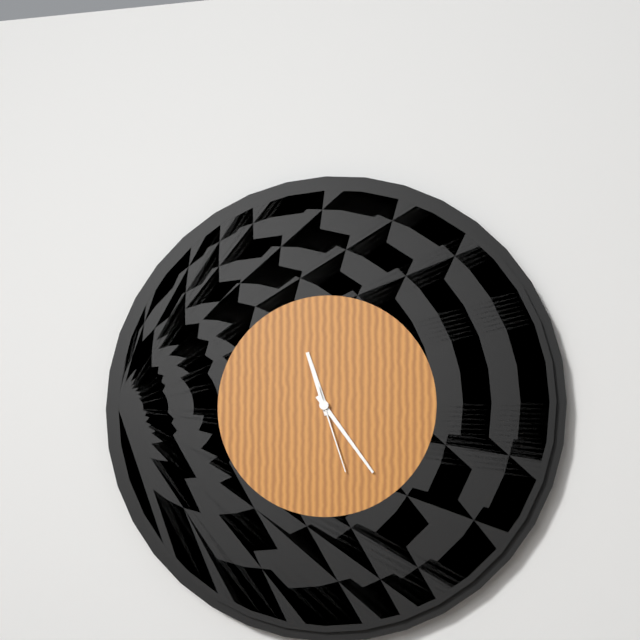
h=11 m=24 s=27
